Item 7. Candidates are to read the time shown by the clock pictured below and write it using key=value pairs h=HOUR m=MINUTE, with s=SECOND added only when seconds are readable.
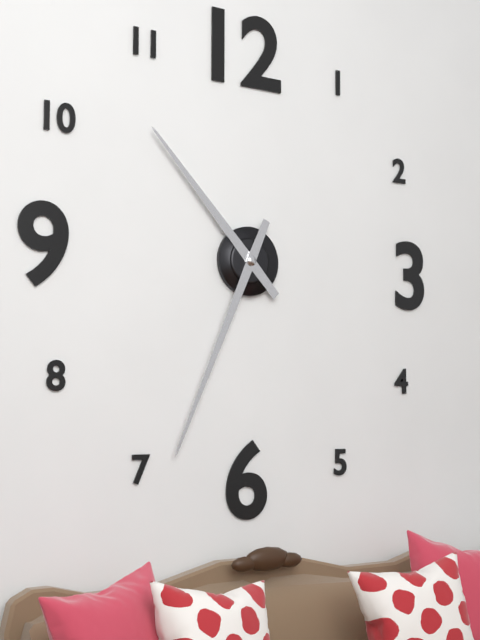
h=10 m=34
